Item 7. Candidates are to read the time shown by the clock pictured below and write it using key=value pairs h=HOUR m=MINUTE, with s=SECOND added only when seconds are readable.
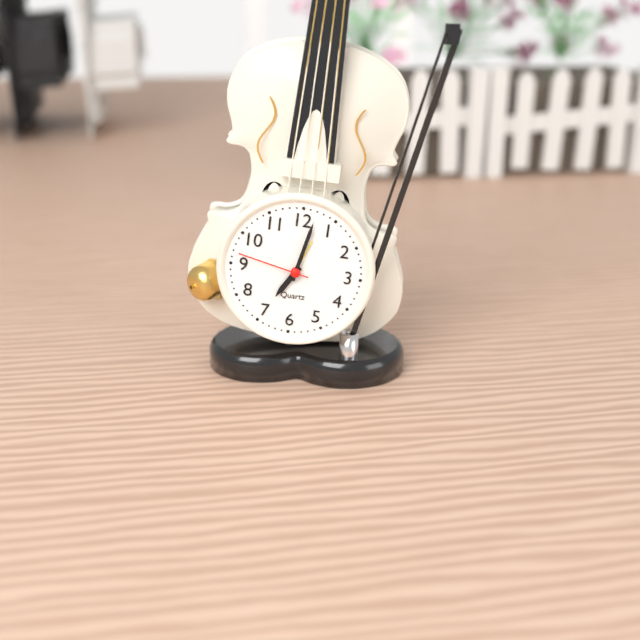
h=7 m=2 s=47
